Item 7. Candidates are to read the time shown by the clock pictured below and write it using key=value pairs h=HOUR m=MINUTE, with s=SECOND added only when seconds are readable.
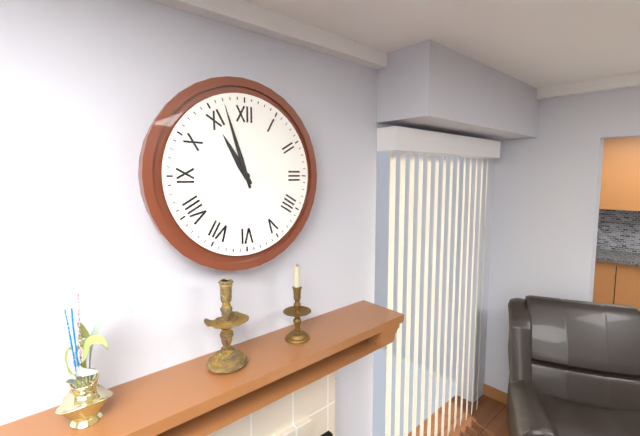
h=10 m=57
